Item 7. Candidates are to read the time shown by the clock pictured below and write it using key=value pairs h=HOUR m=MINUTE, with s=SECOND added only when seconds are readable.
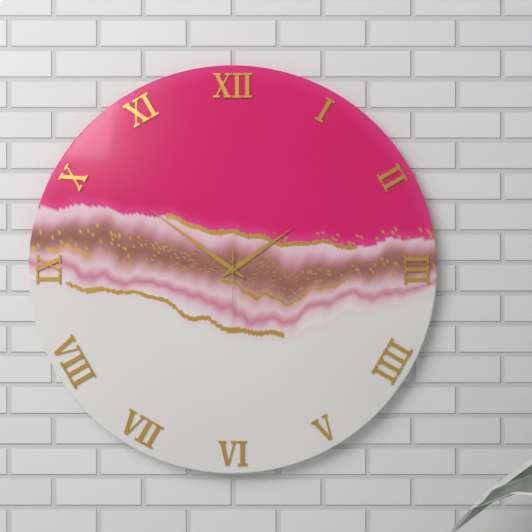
h=1 m=51 s=30
